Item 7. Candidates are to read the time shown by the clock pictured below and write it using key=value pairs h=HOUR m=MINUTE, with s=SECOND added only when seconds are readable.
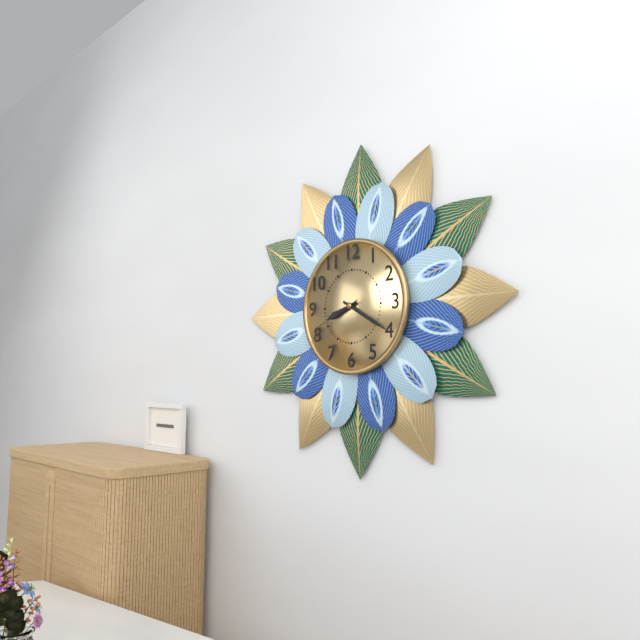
h=8 m=20 s=41
